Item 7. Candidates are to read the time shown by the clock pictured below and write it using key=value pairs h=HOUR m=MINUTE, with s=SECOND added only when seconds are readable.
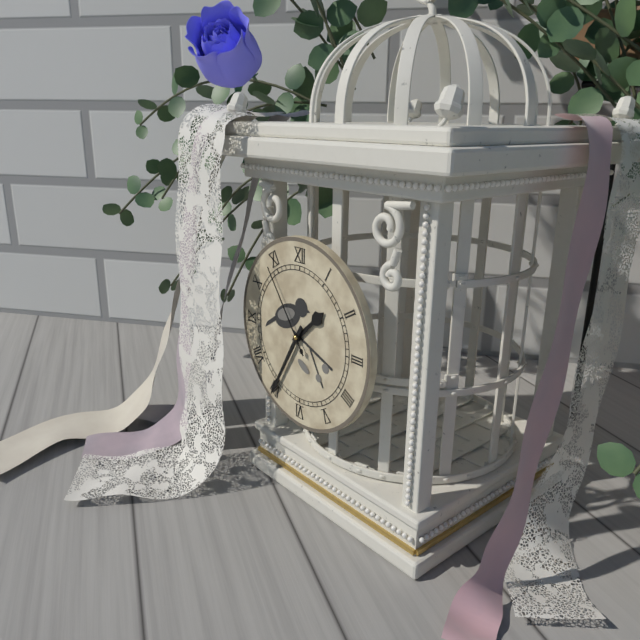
h=1 m=35 s=54
